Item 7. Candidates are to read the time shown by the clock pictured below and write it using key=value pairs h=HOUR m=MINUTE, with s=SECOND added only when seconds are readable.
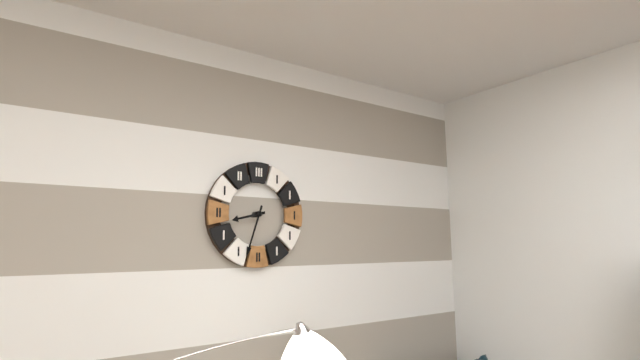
h=8 m=33
